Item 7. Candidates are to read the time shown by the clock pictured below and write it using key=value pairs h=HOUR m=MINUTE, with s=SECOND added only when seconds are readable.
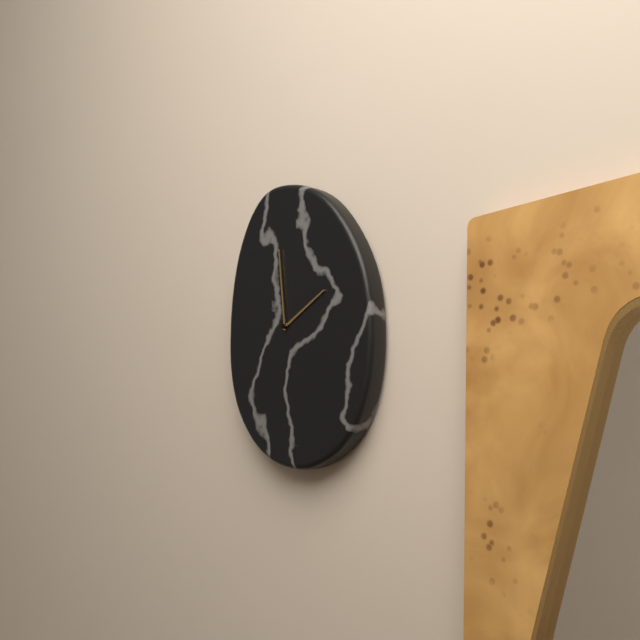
h=1 m=59
